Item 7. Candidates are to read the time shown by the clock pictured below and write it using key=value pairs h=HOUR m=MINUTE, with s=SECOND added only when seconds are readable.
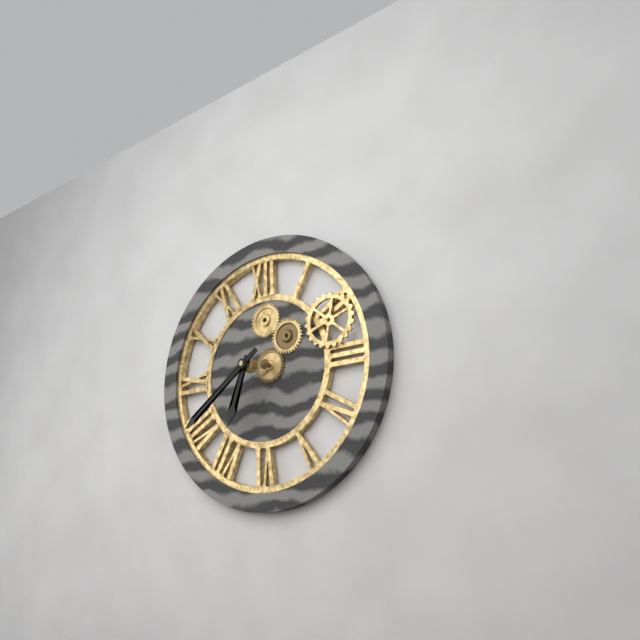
h=6 m=39
